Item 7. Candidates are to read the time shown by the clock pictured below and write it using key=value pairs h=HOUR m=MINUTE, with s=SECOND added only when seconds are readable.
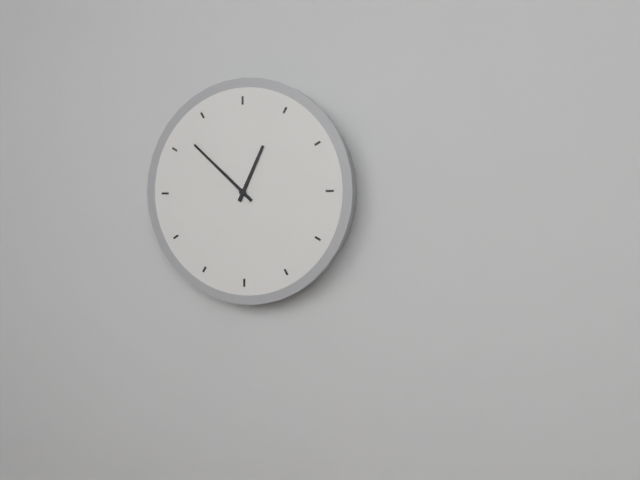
h=12 m=52
